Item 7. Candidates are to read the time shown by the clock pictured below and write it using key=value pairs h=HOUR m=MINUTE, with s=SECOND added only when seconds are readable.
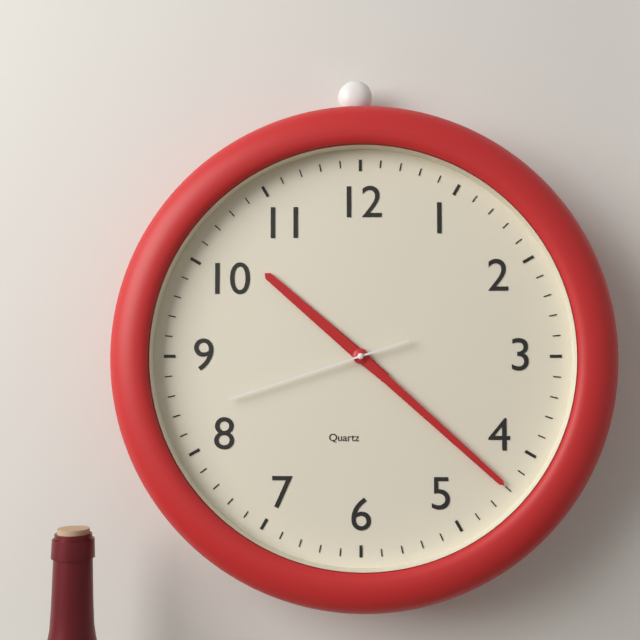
h=10 m=22 s=42
